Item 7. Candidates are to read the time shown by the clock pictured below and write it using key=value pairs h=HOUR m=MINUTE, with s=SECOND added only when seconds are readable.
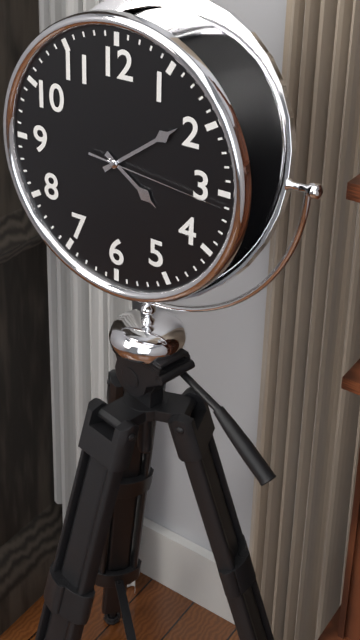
h=4 m=9 s=16
